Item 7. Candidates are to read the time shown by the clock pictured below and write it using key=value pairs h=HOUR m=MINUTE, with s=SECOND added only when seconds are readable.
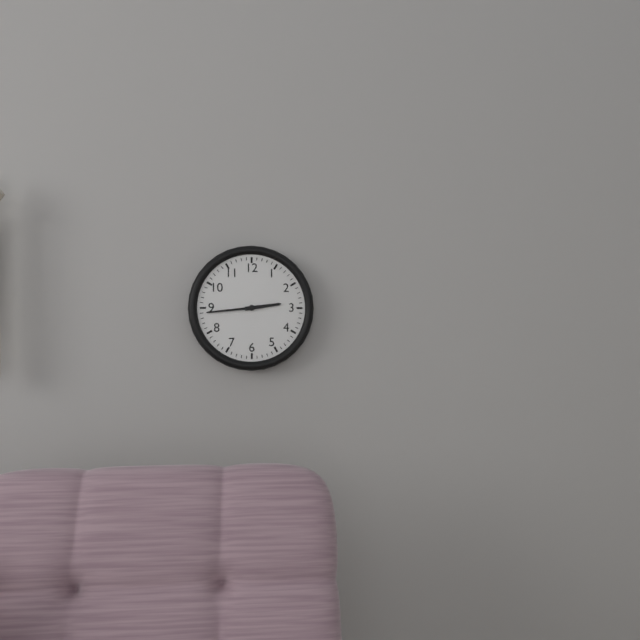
h=2 m=44
